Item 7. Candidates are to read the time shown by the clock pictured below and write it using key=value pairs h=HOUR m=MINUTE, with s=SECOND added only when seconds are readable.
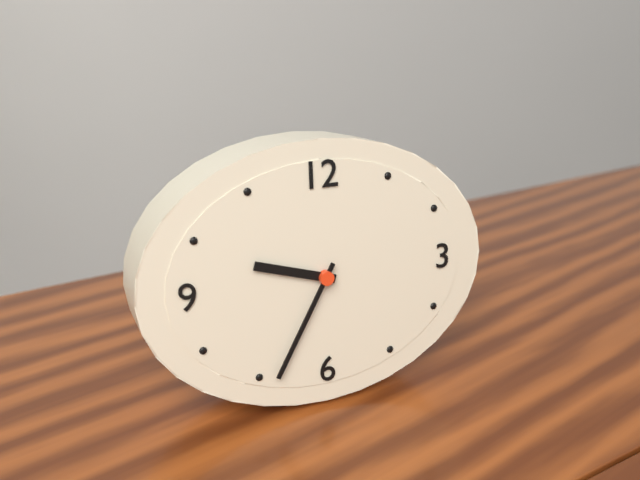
h=9 m=35
